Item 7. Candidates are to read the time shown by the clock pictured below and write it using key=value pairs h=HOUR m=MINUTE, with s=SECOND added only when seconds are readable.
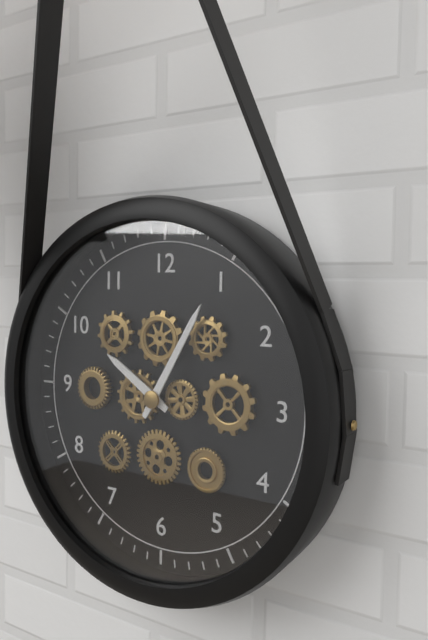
h=10 m=5
